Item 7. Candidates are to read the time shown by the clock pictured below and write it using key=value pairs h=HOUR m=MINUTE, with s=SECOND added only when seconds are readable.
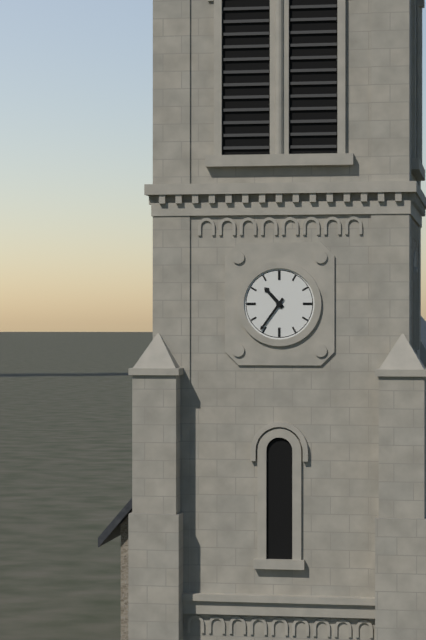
h=10 m=36
